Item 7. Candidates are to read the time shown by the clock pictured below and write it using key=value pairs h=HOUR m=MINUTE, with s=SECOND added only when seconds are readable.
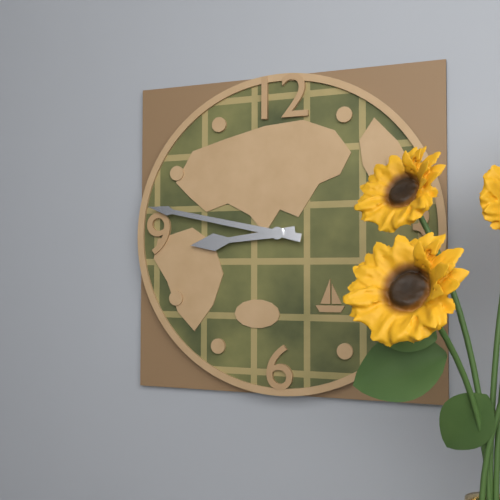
h=8 m=47
